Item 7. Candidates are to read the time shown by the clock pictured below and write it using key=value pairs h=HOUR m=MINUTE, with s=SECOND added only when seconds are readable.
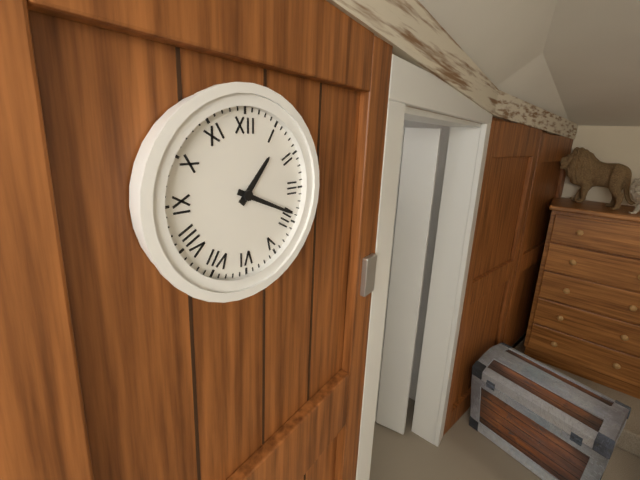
h=1 m=19
